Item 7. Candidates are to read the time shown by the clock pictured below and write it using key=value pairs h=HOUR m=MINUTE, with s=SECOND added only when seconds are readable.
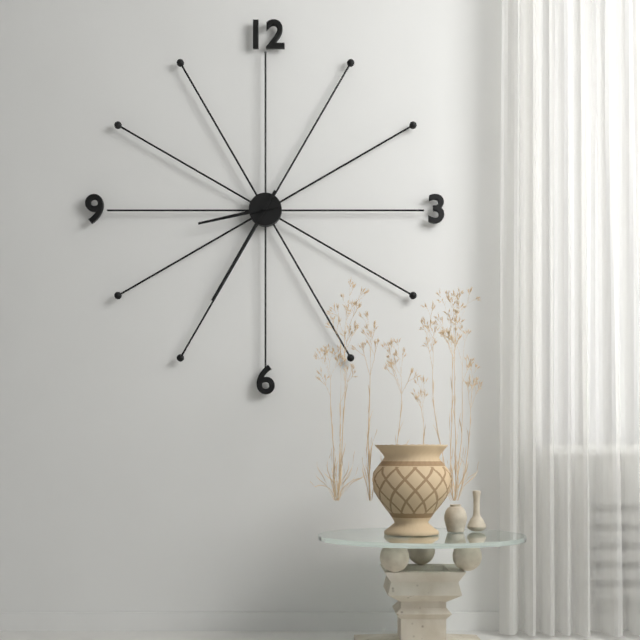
h=8 m=35
